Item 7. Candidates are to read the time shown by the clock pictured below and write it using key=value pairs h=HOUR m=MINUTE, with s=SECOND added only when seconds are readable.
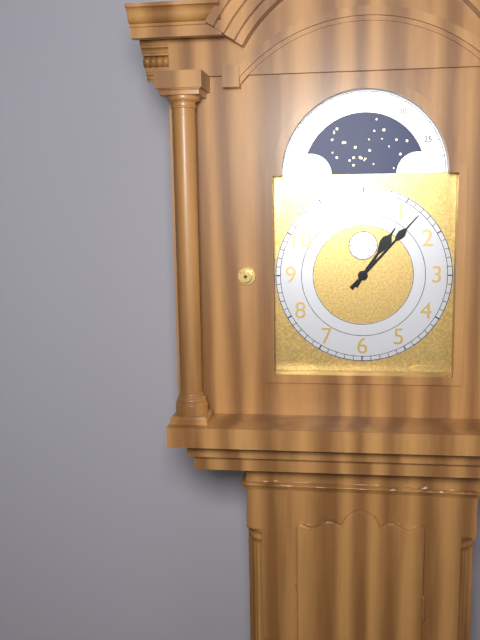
h=1 m=7
